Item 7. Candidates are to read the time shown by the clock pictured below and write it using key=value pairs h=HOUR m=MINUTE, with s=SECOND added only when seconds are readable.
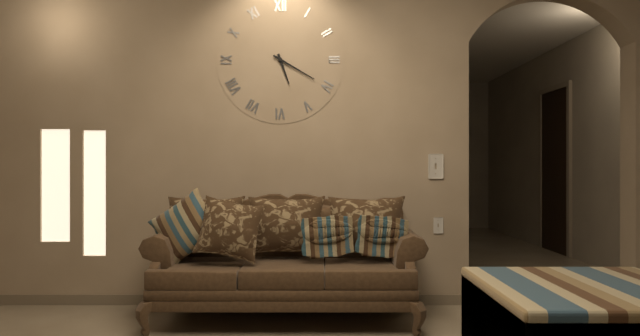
h=5 m=20
